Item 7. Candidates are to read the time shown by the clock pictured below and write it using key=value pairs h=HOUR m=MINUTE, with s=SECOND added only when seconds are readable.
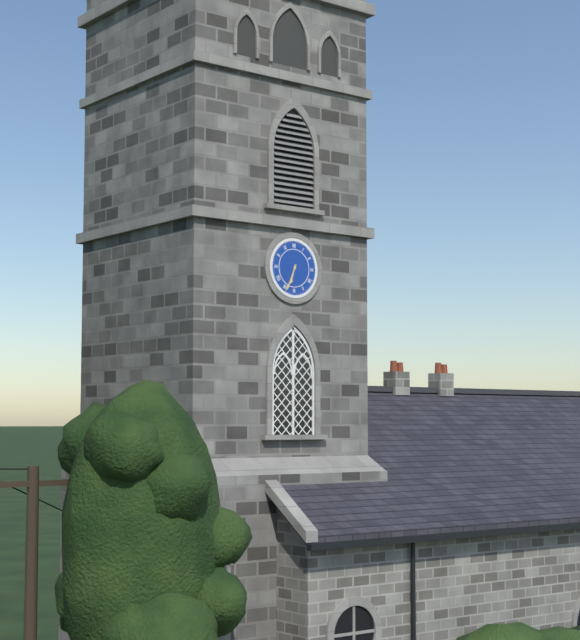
h=6 m=34
